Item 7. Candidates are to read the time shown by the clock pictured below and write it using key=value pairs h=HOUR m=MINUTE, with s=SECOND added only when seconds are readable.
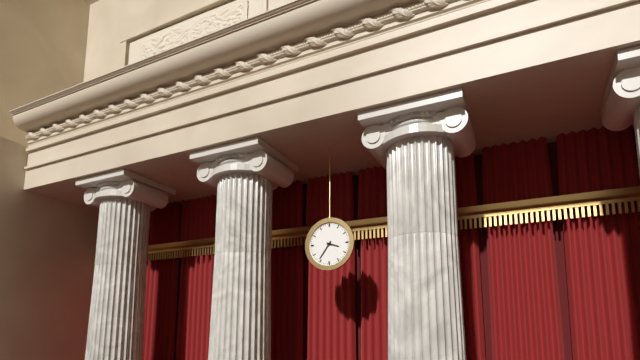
h=3 m=36
